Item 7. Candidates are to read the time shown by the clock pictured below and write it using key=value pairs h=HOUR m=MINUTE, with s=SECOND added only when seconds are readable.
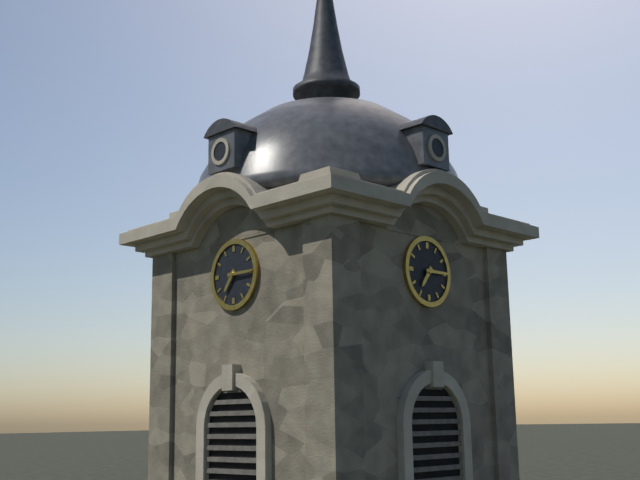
h=7 m=15
